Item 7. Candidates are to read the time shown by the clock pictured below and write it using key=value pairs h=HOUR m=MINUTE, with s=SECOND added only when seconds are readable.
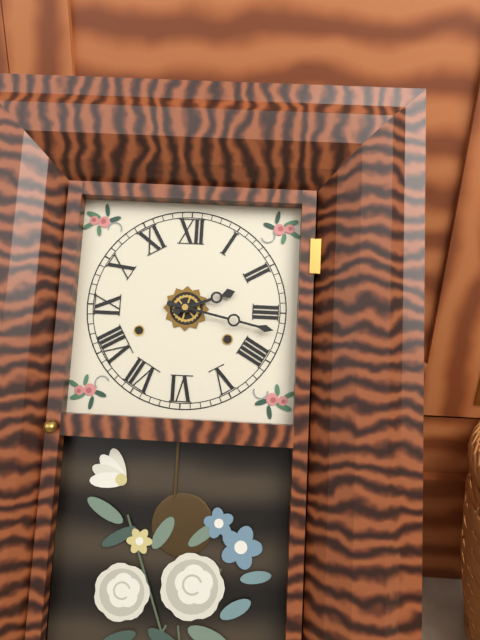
h=2 m=17
